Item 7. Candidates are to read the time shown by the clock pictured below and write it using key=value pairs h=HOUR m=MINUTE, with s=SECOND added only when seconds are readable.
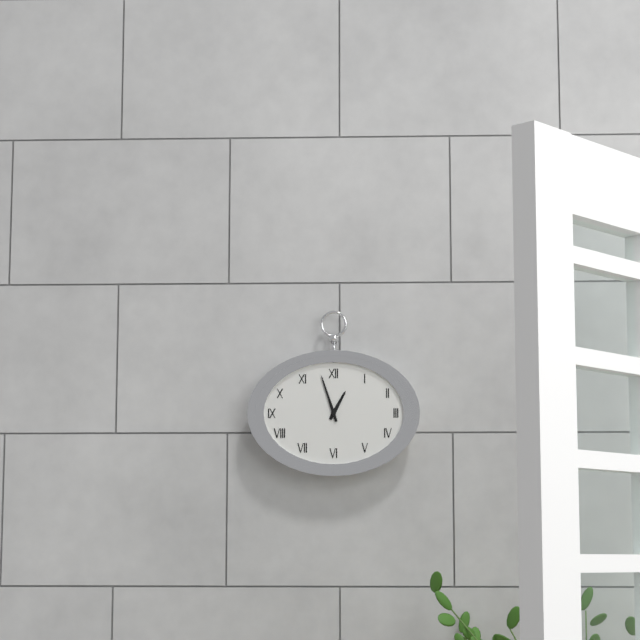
h=12 m=57
